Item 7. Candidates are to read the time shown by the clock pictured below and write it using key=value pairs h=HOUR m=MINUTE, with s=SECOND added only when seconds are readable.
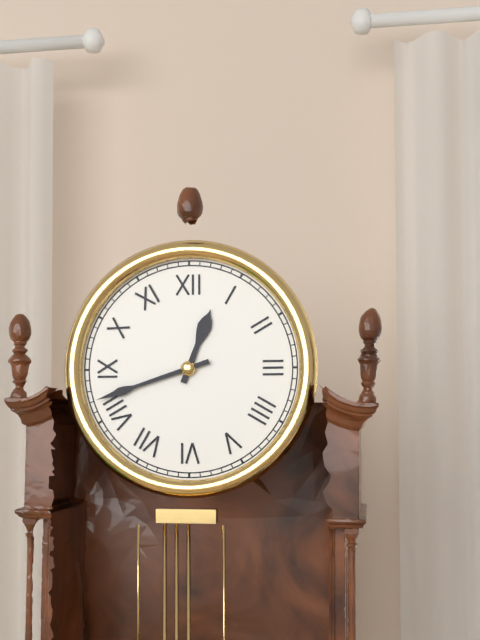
h=12 m=42
